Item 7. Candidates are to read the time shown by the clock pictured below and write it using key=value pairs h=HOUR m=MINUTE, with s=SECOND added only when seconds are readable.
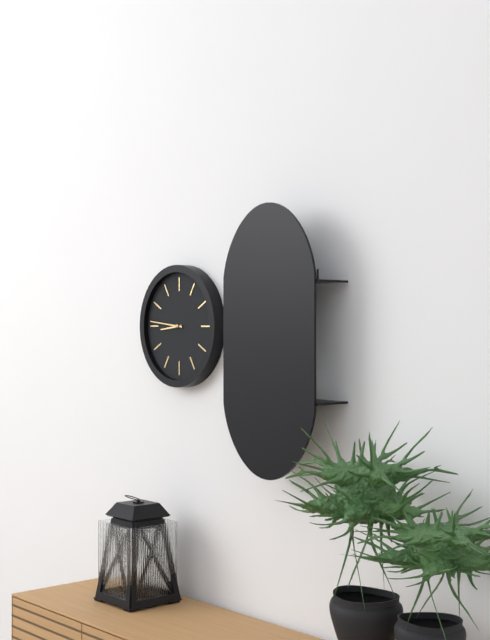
h=8 m=46
